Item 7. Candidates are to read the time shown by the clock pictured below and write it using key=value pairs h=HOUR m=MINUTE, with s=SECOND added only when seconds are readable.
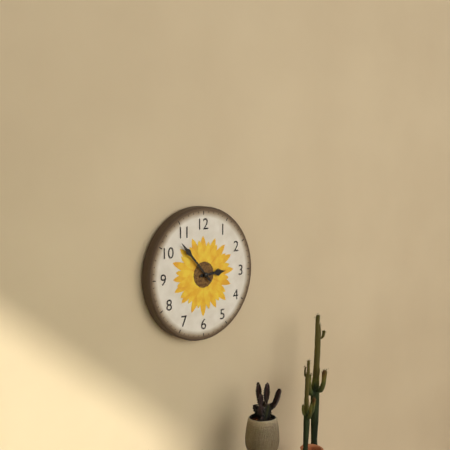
h=2 m=53
